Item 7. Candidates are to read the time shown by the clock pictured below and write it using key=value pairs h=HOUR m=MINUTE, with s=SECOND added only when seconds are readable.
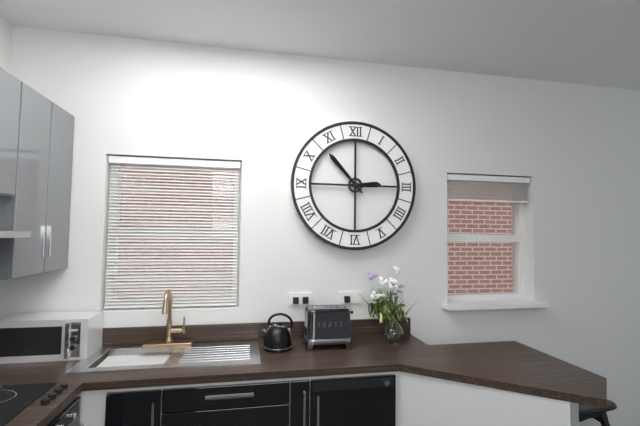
h=2 m=53
